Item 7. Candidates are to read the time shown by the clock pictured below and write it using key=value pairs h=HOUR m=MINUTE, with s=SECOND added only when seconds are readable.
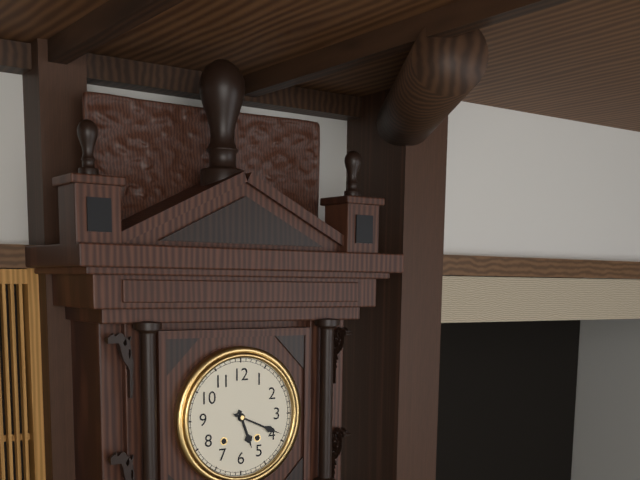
h=5 m=19
